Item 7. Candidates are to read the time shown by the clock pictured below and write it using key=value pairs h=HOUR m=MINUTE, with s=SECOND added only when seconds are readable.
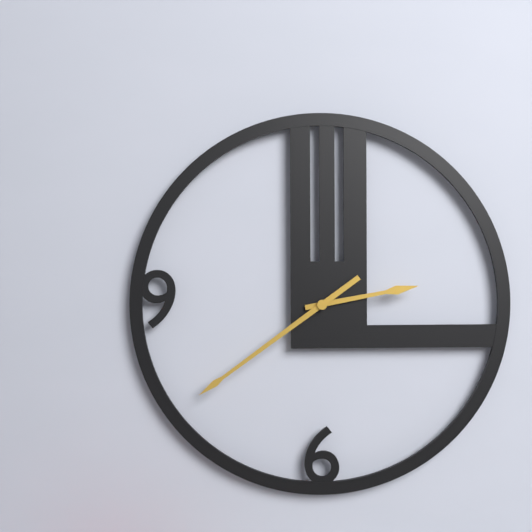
h=2 m=39
